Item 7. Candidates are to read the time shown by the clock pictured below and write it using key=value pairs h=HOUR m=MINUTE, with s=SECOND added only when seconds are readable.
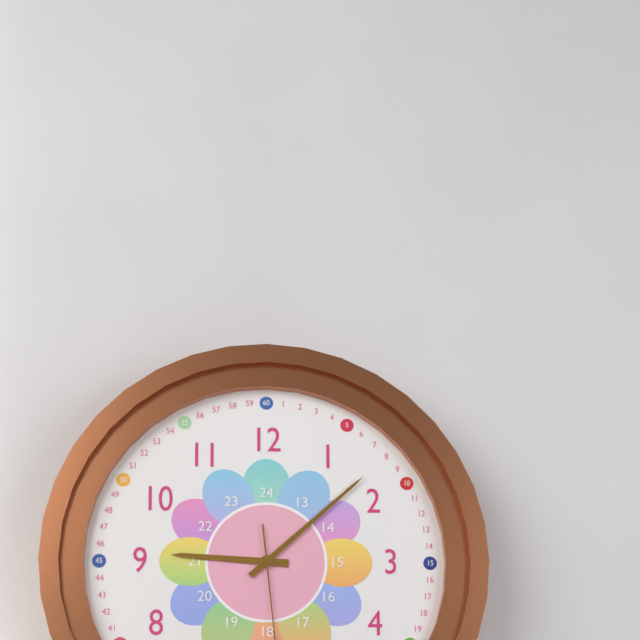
h=9 m=8
